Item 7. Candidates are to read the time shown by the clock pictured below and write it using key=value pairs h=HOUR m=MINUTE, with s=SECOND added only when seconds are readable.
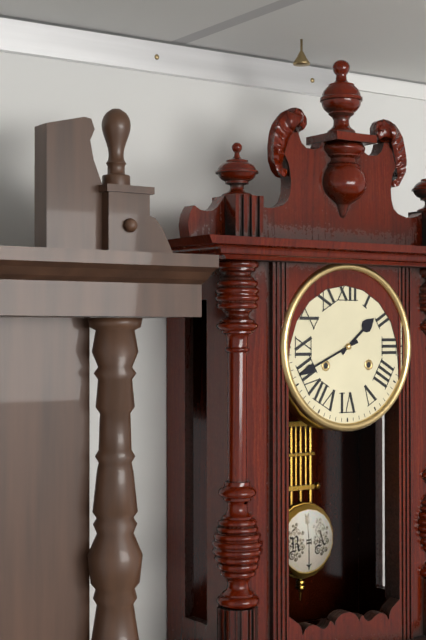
h=1 m=41
